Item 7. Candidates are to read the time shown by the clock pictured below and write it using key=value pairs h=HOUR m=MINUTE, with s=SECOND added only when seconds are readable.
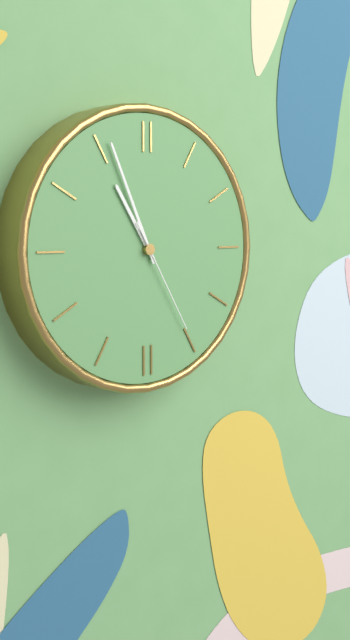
h=10 m=56 s=25
